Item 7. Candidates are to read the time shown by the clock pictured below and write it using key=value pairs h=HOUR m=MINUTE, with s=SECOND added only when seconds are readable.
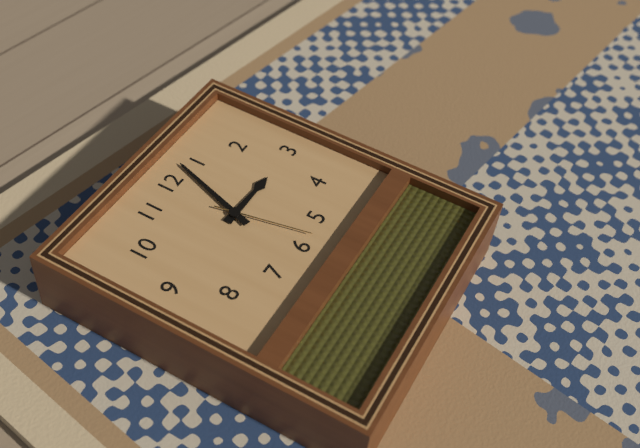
h=3 m=3 s=28
